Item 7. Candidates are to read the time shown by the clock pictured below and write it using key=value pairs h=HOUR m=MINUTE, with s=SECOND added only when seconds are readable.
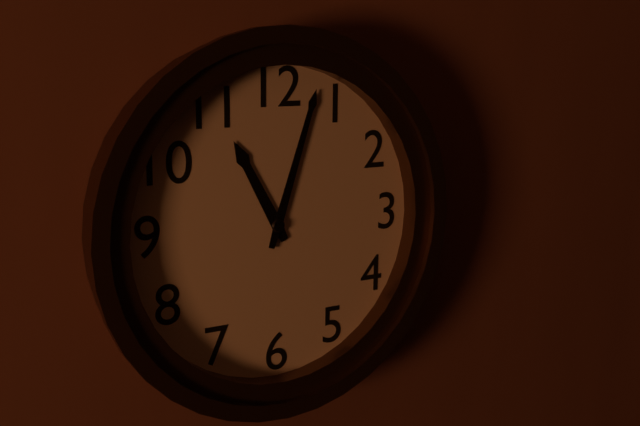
h=11 m=3
